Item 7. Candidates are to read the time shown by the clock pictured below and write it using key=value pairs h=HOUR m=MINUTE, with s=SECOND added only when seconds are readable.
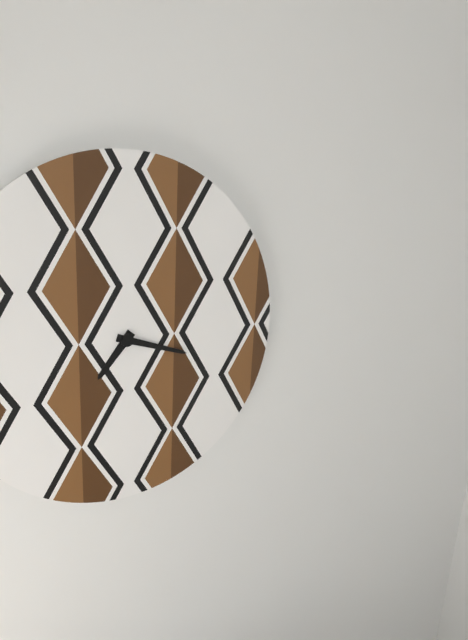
h=7 m=18
